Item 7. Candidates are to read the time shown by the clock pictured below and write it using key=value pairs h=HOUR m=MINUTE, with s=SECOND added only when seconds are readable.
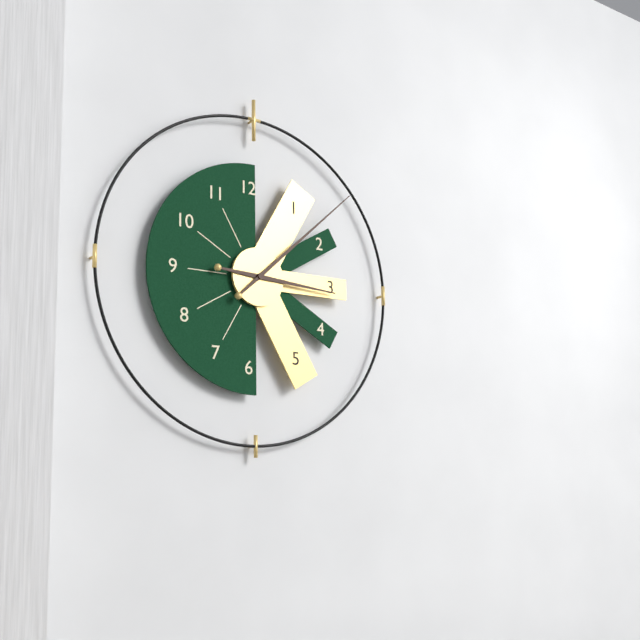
h=3 m=8
